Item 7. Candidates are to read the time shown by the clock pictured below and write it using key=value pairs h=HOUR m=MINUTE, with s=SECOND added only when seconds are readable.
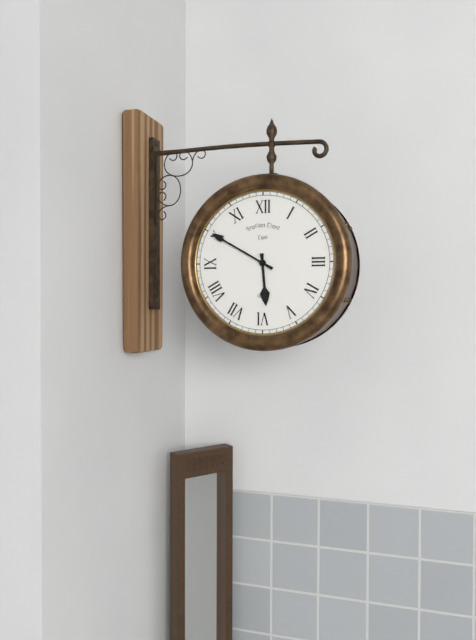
h=5 m=50
